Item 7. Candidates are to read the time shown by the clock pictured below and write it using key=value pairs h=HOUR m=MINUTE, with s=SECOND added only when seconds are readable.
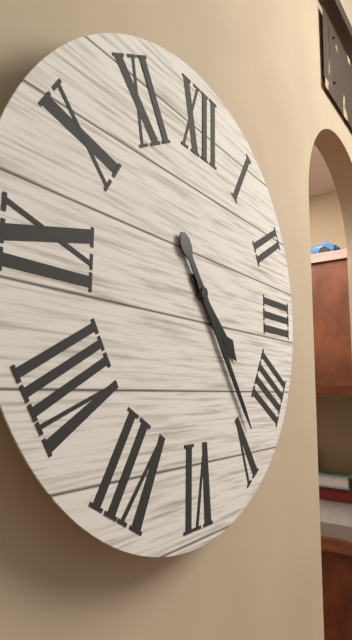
h=4 m=24
